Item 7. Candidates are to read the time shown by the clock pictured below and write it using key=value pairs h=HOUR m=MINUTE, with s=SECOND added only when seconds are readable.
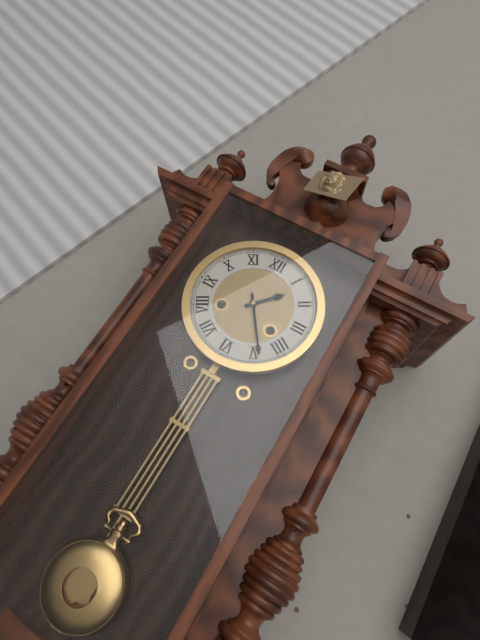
h=1 m=24
